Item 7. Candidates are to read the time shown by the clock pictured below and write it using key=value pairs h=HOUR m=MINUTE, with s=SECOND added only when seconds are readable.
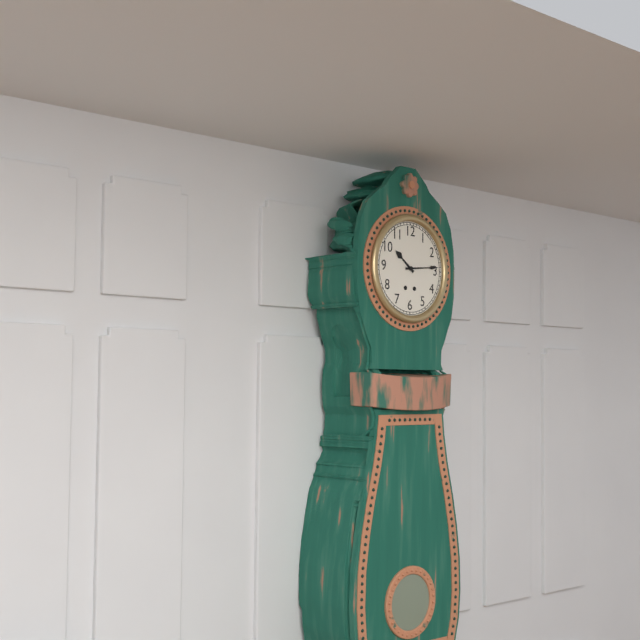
h=10 m=14
